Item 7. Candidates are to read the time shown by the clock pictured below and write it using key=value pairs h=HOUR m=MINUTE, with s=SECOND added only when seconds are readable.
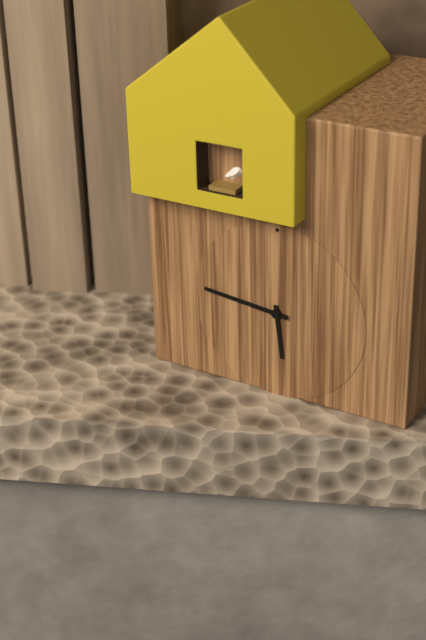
h=5 m=46
